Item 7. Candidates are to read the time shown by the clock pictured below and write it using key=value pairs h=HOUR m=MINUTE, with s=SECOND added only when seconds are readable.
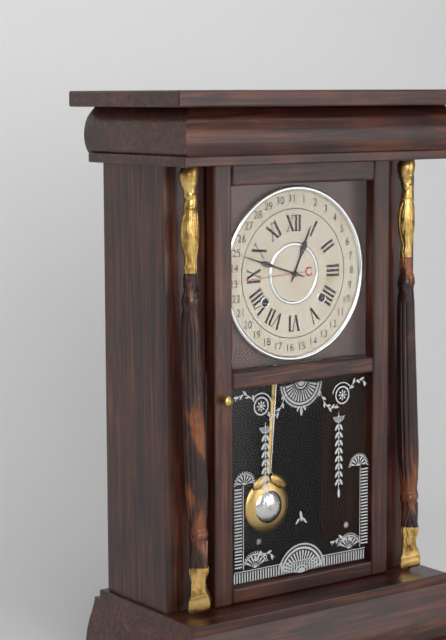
h=12 m=48
